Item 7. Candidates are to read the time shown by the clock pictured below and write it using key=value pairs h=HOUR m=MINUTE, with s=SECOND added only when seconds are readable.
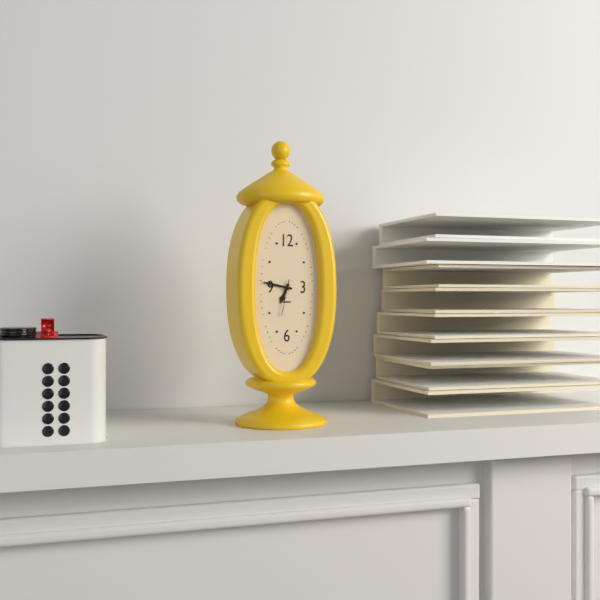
h=6 m=47
